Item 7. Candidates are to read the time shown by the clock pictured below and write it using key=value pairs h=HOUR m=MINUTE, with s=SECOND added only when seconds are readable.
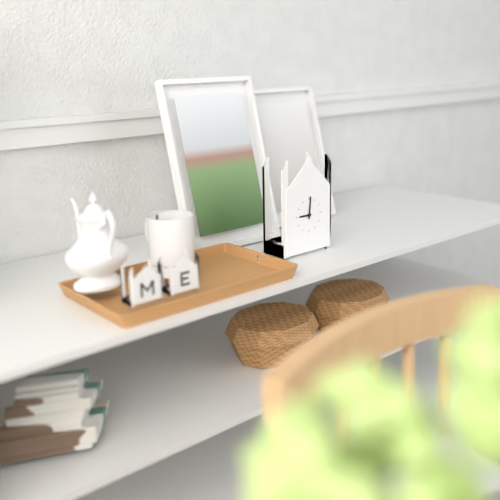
h=9 m=1
